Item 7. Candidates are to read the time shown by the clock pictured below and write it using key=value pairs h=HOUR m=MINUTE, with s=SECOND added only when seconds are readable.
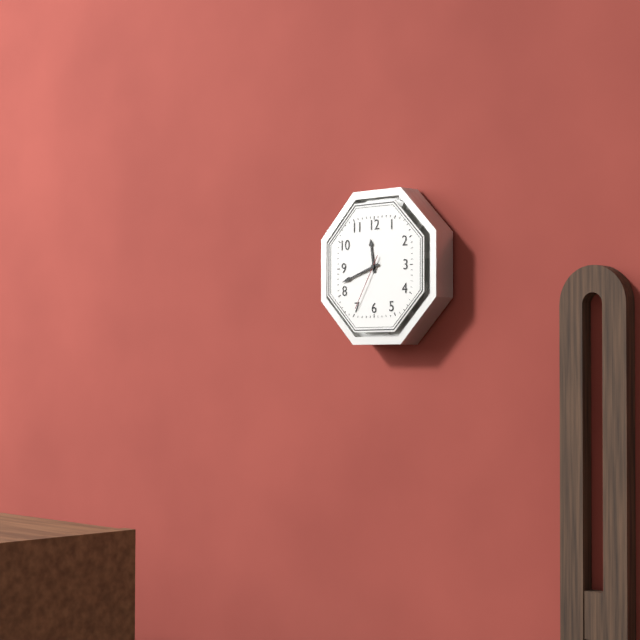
h=11 m=42 s=35
